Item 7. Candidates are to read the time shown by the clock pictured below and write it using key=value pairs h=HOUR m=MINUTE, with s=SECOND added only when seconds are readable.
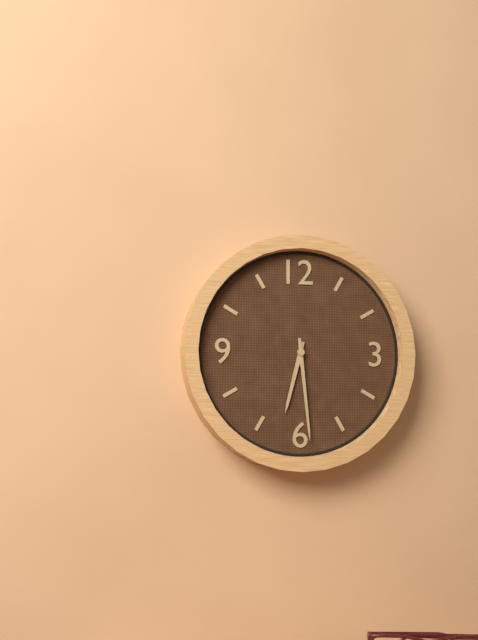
h=6 m=29
